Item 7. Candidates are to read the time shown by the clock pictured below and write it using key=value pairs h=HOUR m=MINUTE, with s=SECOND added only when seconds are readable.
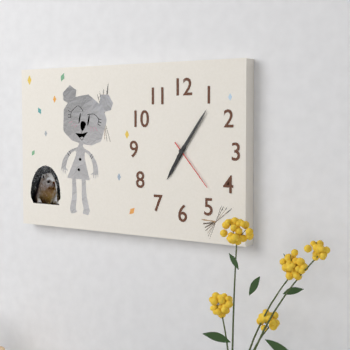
h=7 m=6 s=23
